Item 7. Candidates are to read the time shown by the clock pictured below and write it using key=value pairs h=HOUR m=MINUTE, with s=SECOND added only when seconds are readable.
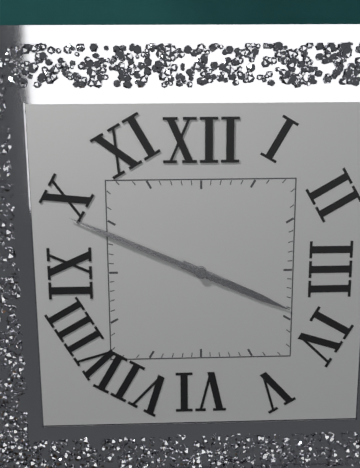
h=3 m=49
